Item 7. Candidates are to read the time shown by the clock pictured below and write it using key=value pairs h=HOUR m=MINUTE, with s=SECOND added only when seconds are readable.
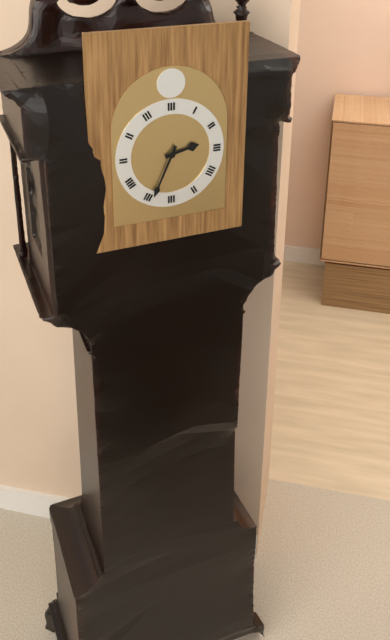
h=2 m=34
